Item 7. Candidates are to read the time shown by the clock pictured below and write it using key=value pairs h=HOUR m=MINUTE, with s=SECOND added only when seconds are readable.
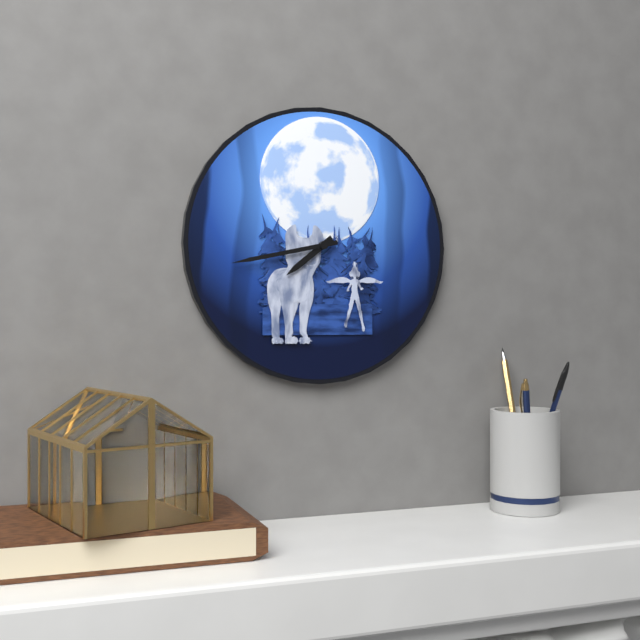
h=7 m=43
